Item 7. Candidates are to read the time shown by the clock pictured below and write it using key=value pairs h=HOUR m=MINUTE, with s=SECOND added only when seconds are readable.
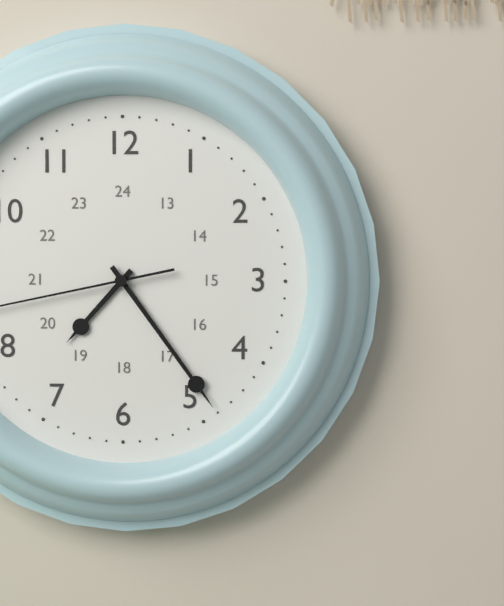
h=7 m=24
